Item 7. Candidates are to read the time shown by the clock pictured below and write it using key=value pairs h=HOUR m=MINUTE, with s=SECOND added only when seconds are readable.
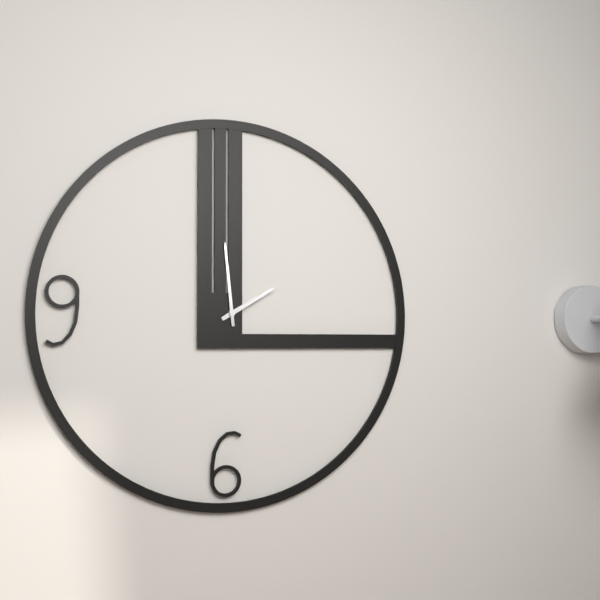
h=1 m=59
